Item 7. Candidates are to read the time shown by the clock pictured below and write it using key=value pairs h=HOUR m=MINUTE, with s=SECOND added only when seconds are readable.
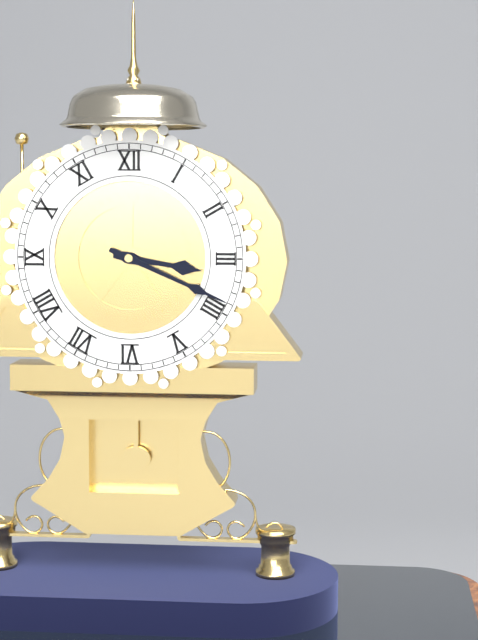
h=3 m=19
